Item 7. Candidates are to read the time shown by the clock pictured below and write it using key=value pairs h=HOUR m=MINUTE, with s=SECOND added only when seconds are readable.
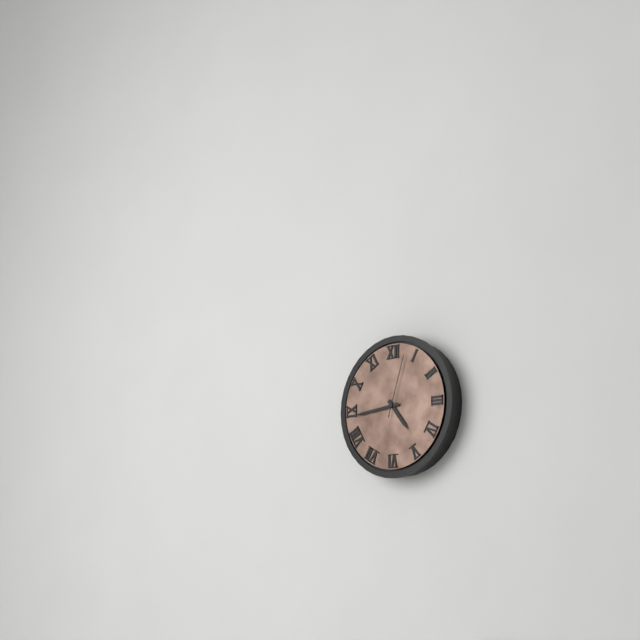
h=4 m=44 s=3
